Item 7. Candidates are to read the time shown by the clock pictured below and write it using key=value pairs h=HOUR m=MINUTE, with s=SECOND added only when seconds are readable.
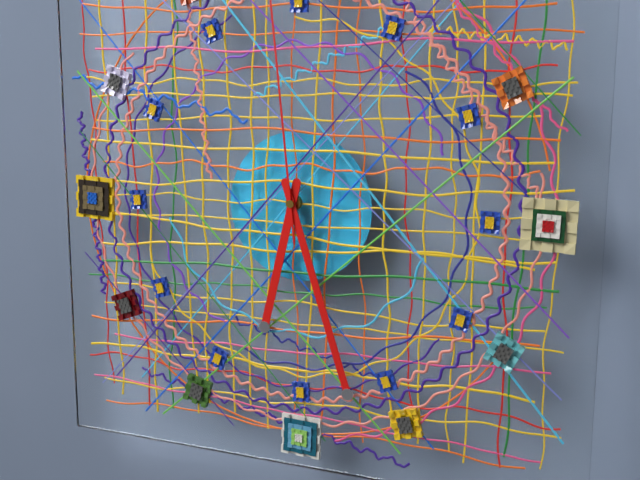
h=6 m=27
